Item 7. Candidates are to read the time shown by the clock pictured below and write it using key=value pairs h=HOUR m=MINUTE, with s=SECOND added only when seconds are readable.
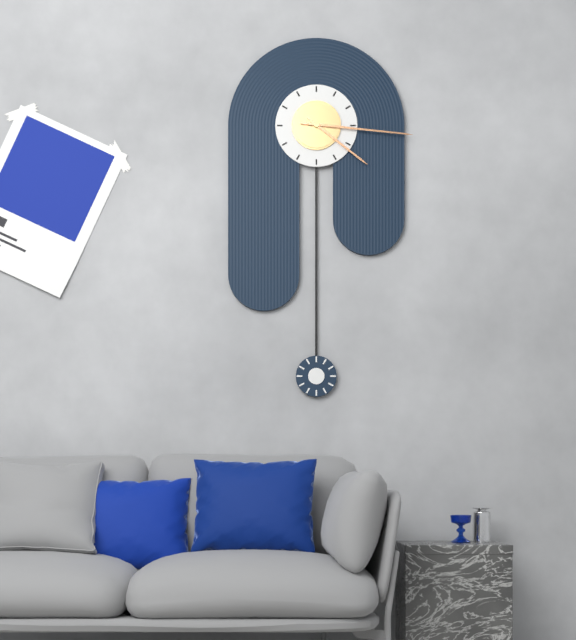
h=4 m=16
